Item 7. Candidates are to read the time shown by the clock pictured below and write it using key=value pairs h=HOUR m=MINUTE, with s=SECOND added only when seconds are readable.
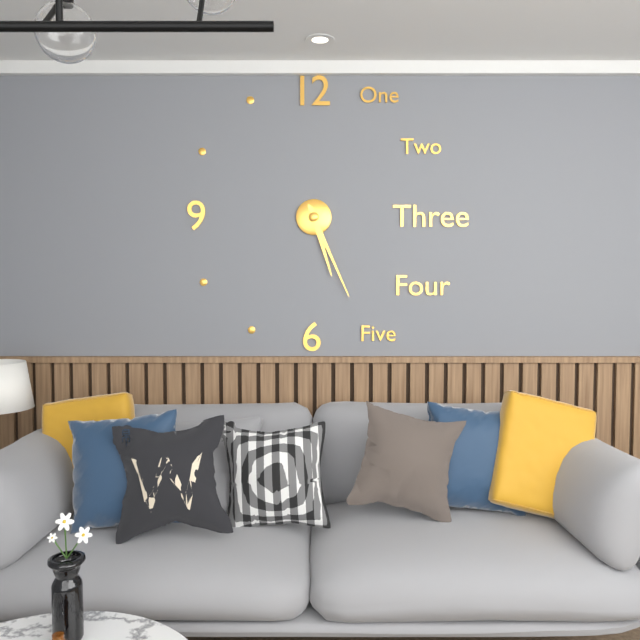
h=5 m=26
